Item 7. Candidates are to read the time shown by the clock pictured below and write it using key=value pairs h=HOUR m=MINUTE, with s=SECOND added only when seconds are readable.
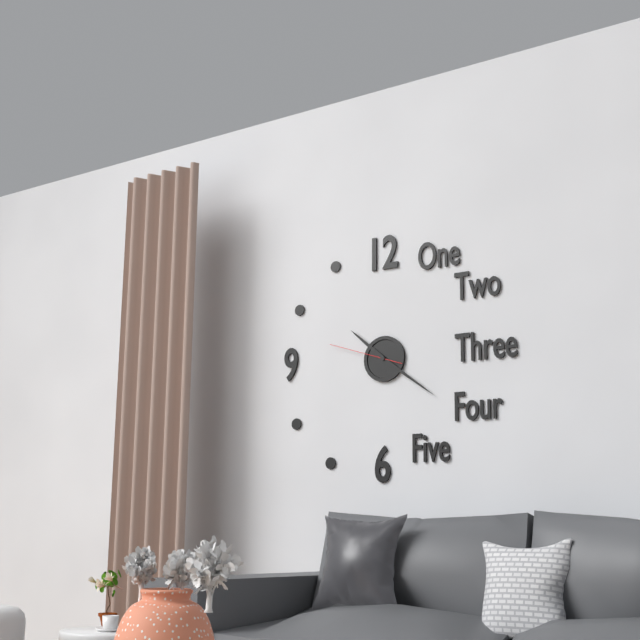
h=10 m=21 s=48
